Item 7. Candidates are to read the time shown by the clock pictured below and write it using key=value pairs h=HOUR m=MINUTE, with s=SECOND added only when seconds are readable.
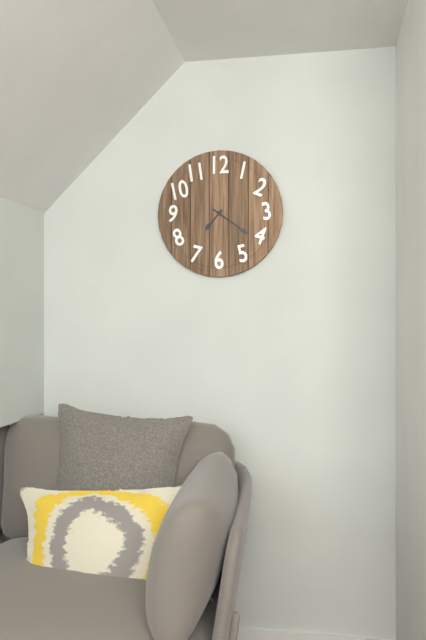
h=7 m=21
